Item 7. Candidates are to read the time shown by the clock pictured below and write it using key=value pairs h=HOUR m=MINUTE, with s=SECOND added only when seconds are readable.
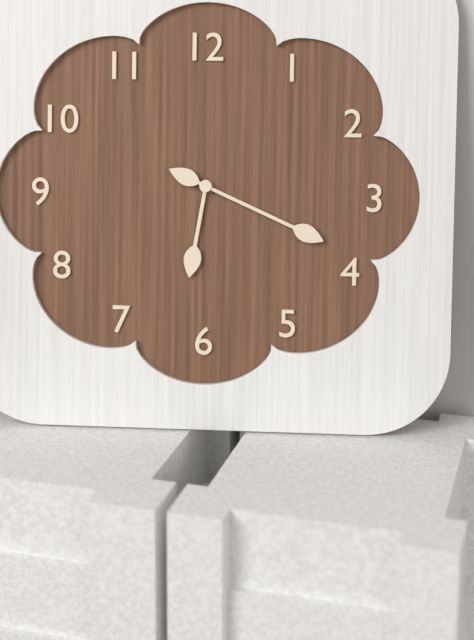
h=6 m=19
